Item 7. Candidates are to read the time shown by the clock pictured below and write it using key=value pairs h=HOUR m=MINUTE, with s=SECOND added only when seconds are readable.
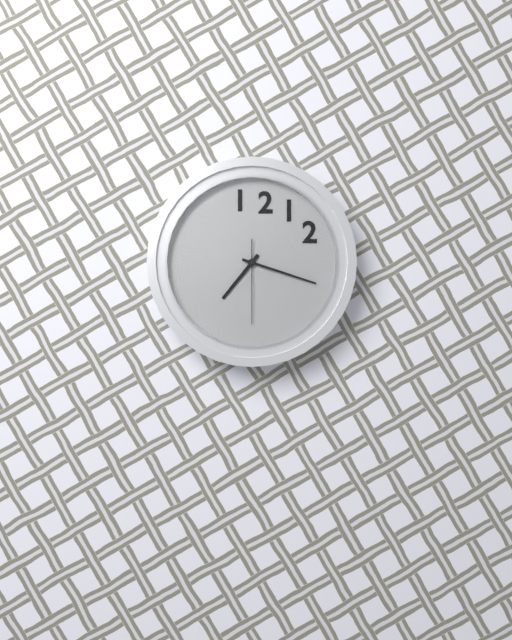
h=7 m=18 s=30
